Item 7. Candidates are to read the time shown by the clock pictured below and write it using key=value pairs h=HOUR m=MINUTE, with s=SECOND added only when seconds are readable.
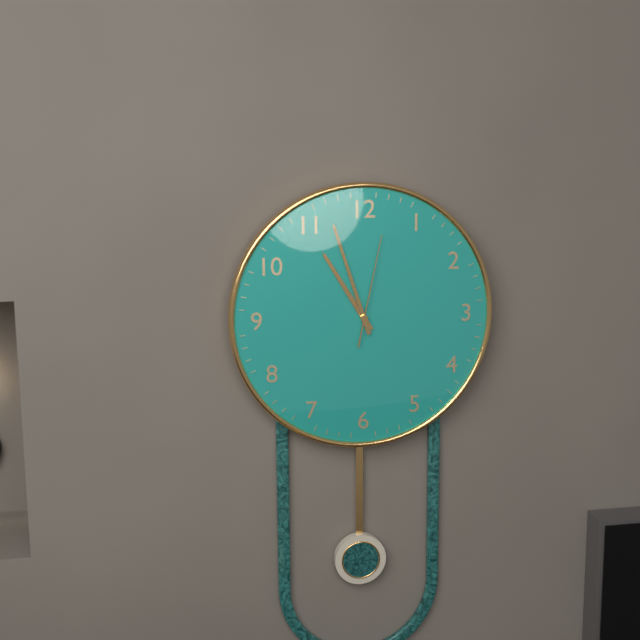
h=10 m=57 s=2
